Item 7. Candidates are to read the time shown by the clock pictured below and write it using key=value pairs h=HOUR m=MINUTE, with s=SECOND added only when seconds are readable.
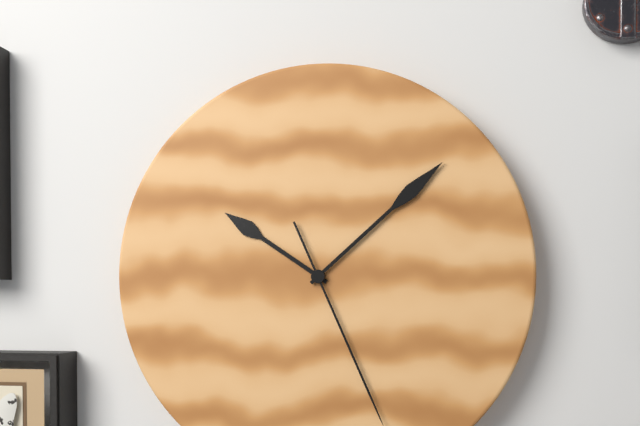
h=10 m=8 s=26
